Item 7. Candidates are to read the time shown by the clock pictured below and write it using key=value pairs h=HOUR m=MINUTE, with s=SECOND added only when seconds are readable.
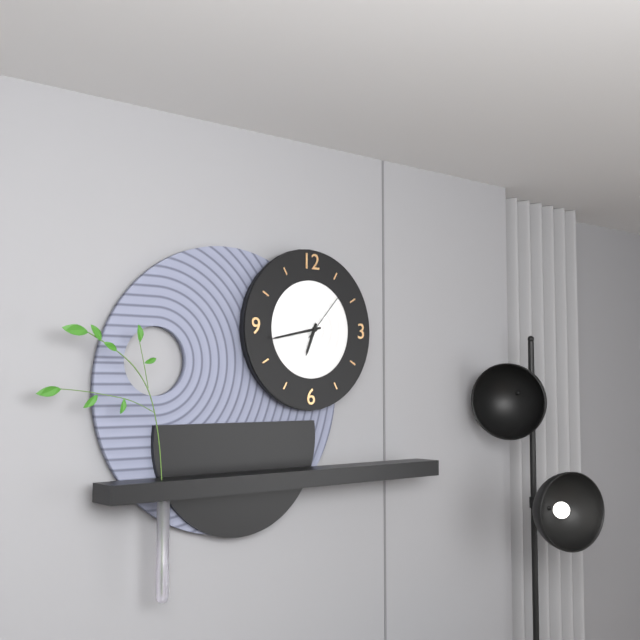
h=6 m=43 s=7
